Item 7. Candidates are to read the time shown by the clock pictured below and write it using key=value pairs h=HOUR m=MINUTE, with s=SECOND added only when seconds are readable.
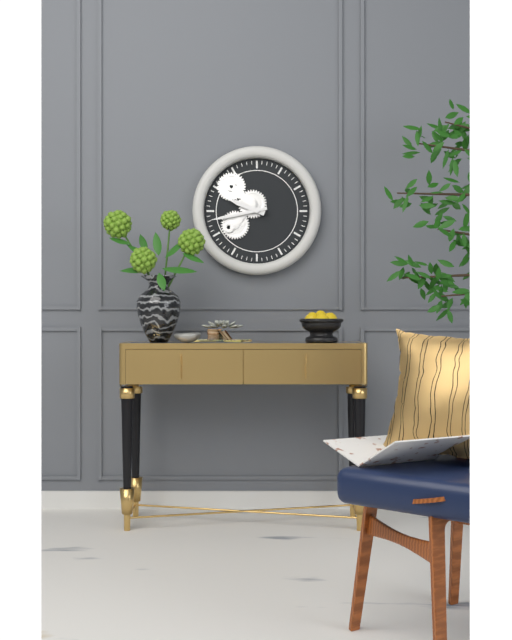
h=9 m=43
